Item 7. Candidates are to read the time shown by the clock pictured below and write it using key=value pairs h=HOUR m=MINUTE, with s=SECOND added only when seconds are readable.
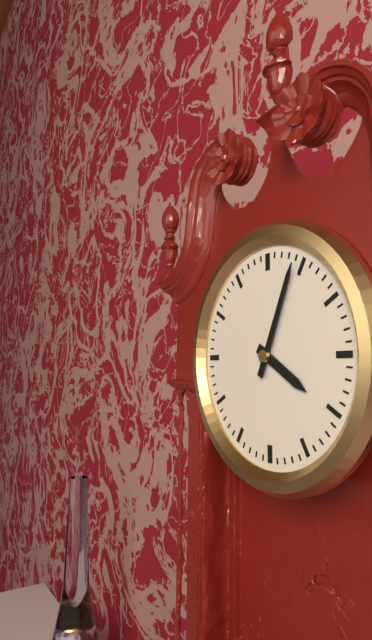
h=4 m=4
